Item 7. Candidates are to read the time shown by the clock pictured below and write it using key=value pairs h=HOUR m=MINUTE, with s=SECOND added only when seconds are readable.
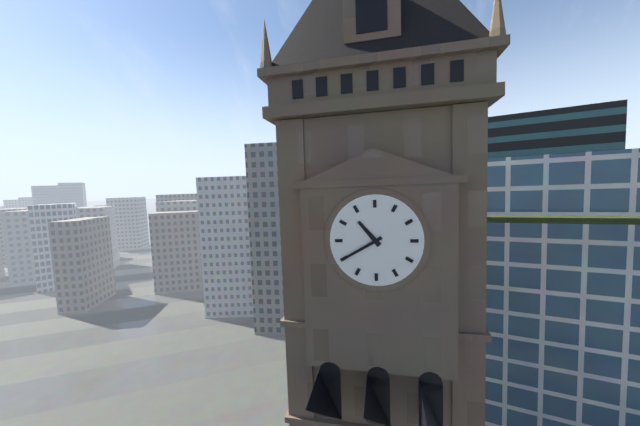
h=10 m=40
